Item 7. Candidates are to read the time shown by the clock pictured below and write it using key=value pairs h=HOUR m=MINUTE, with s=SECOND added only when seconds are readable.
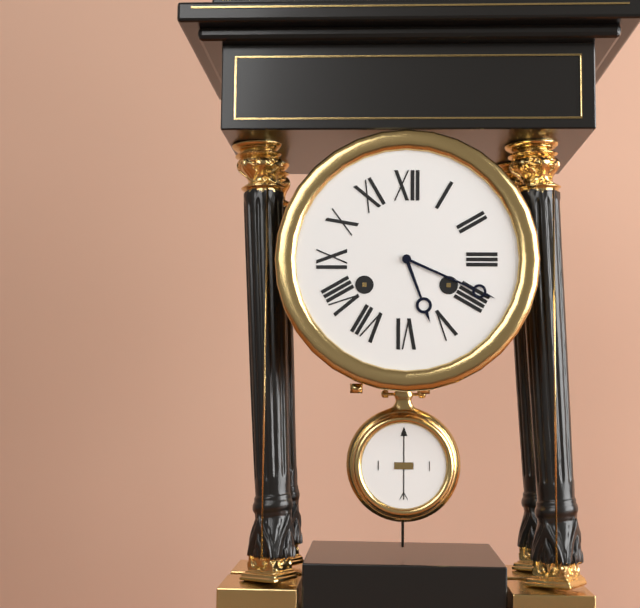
h=5 m=19
